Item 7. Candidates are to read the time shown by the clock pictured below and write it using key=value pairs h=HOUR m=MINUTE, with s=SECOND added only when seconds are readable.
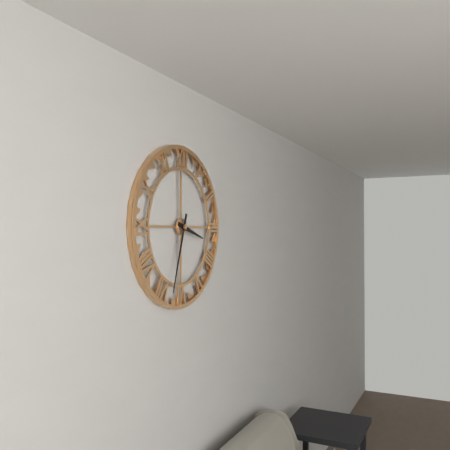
h=3 m=33
